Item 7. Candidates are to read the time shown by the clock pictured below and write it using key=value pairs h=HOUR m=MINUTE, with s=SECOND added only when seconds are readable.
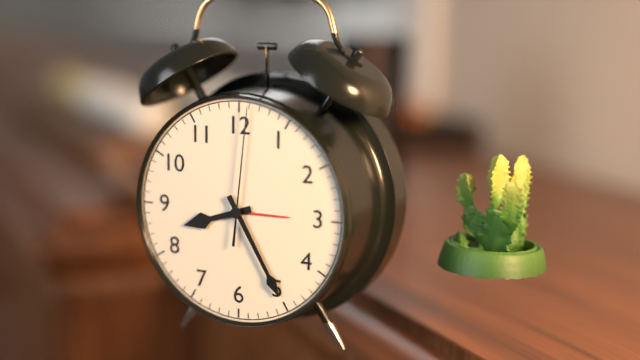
h=8 m=25 s=1
